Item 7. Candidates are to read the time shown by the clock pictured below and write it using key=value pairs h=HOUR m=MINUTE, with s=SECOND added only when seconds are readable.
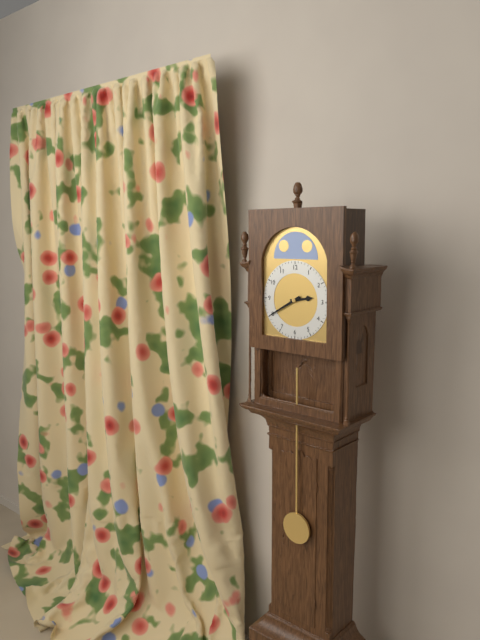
h=2 m=40
